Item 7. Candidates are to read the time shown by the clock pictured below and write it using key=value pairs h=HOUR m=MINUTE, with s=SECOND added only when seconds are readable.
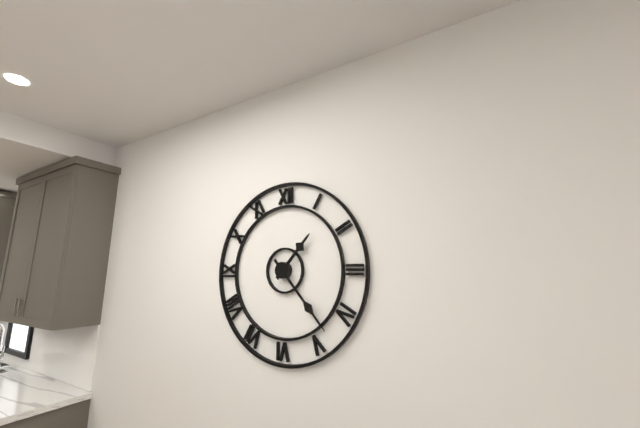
h=1 m=23
